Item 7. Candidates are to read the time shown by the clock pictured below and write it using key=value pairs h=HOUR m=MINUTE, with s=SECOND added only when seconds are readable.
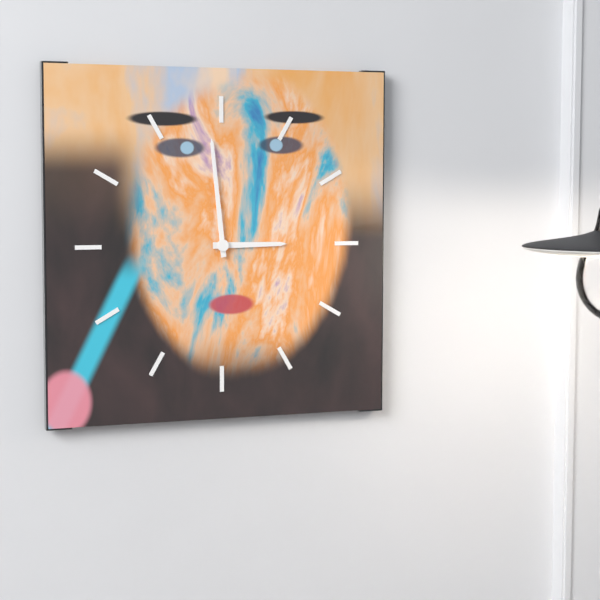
h=2 m=59
